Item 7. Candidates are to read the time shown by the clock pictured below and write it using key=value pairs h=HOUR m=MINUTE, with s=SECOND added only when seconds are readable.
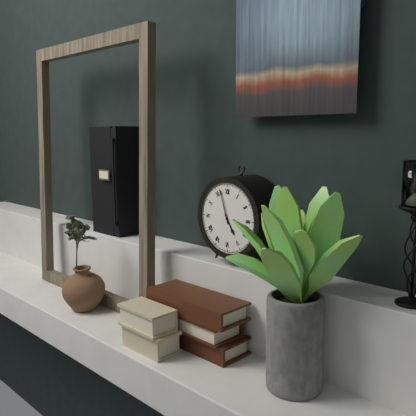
h=4 m=57
